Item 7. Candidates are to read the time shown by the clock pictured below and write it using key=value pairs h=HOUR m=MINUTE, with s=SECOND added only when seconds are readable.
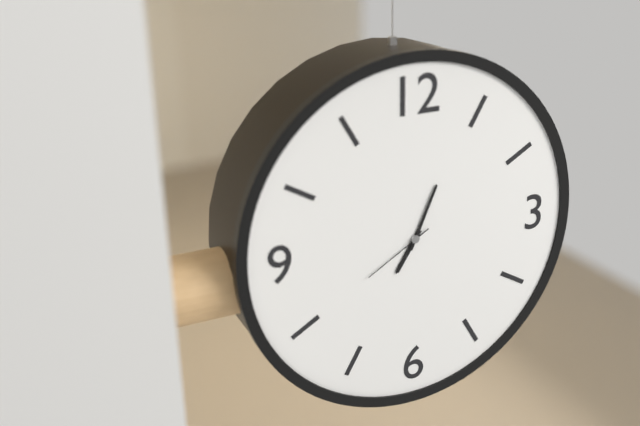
h=7 m=4 s=40
